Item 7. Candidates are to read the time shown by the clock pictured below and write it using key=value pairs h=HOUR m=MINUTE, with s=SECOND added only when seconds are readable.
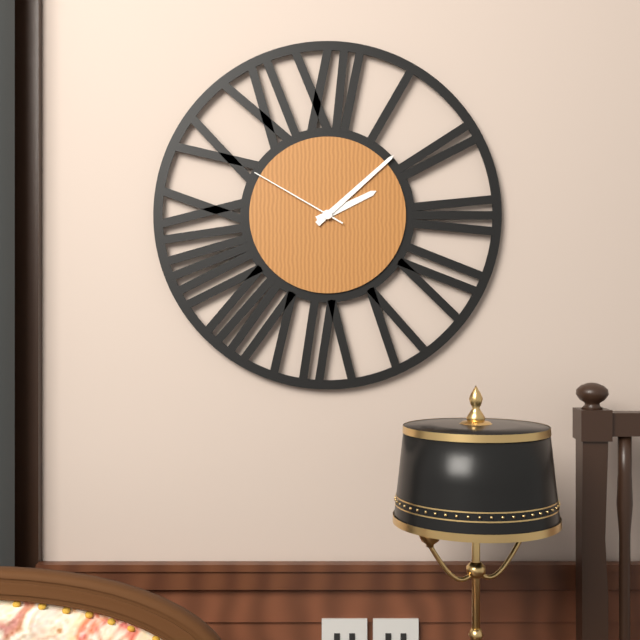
h=2 m=8 s=50
